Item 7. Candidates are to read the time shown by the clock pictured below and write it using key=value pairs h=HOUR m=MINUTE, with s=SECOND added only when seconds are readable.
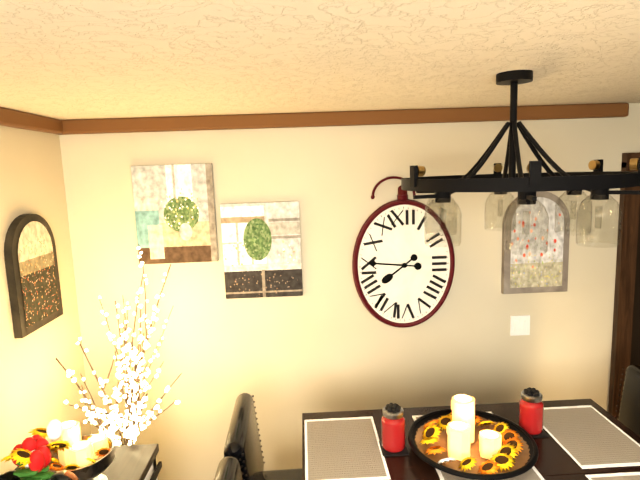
h=7 m=46
